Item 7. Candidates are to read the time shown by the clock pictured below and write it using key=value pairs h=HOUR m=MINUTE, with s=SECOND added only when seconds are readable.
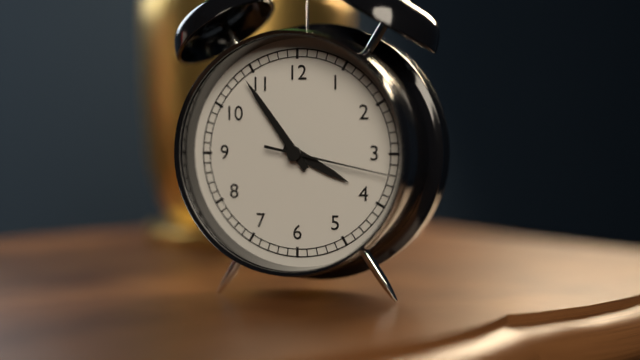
h=3 m=54 s=17
